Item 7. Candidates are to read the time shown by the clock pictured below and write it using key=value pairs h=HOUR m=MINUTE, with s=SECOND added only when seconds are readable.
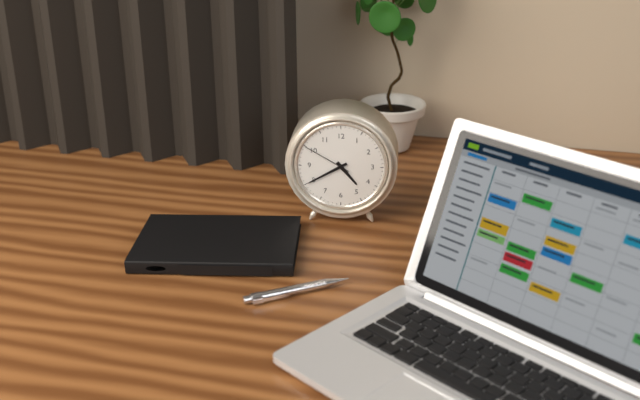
h=4 m=40 s=50
